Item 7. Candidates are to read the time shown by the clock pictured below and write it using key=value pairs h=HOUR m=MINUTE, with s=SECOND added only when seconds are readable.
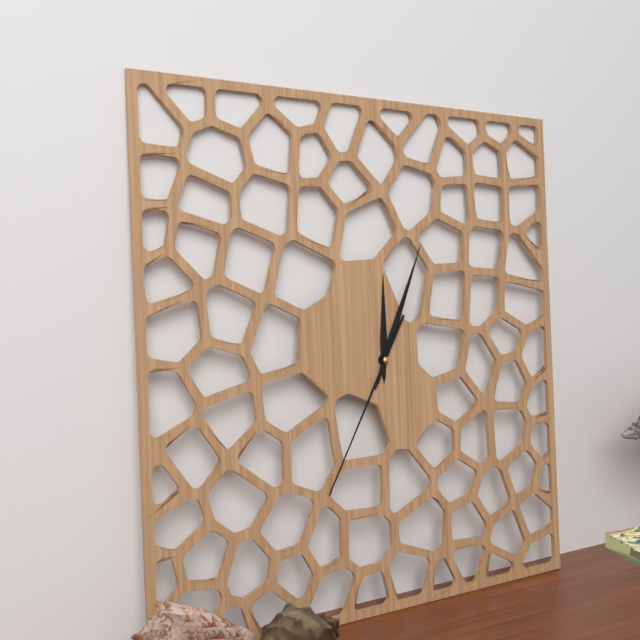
h=12 m=4 s=35
